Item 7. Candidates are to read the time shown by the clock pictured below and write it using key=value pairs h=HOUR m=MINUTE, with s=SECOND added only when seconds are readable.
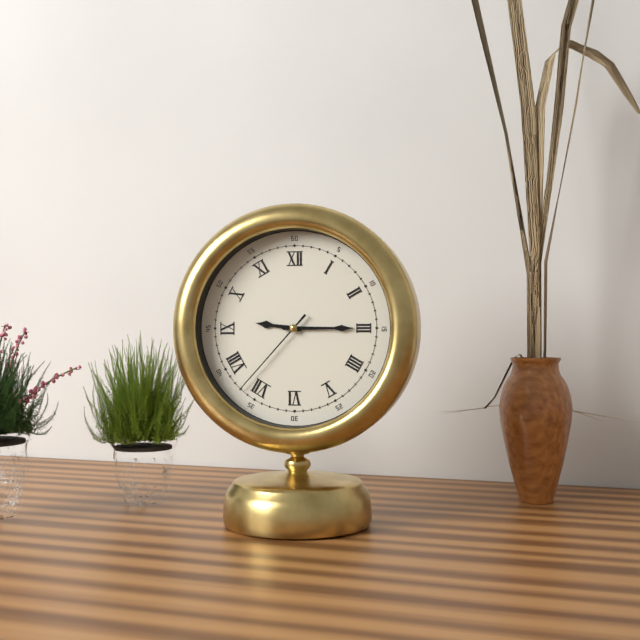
h=9 m=15 s=37
